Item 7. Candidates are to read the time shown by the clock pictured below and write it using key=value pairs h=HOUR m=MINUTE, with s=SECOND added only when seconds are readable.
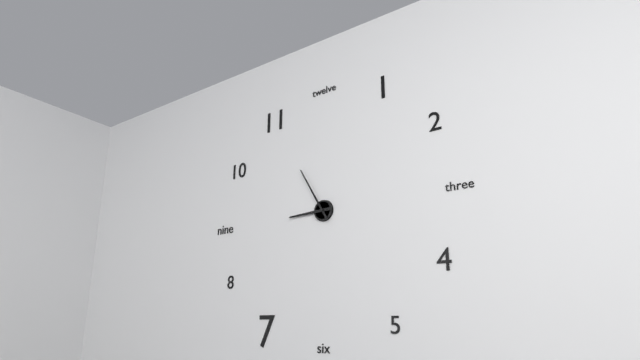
h=8 m=55
